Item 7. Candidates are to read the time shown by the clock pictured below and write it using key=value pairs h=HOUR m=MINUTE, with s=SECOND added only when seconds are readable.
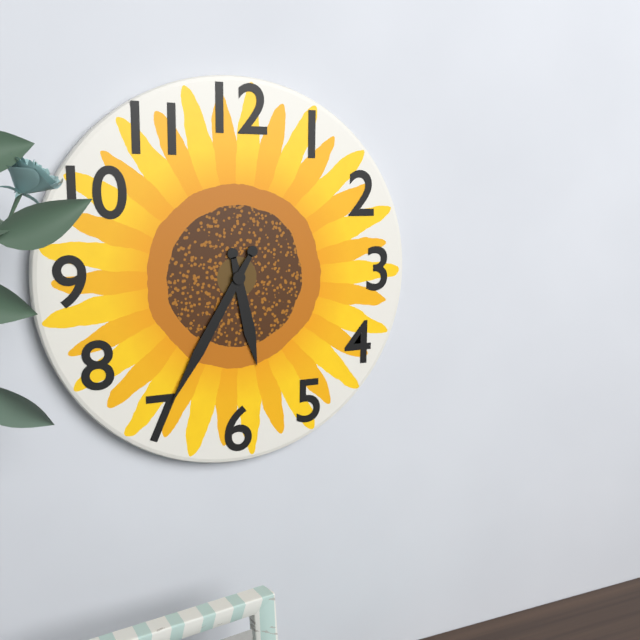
h=5 m=35
